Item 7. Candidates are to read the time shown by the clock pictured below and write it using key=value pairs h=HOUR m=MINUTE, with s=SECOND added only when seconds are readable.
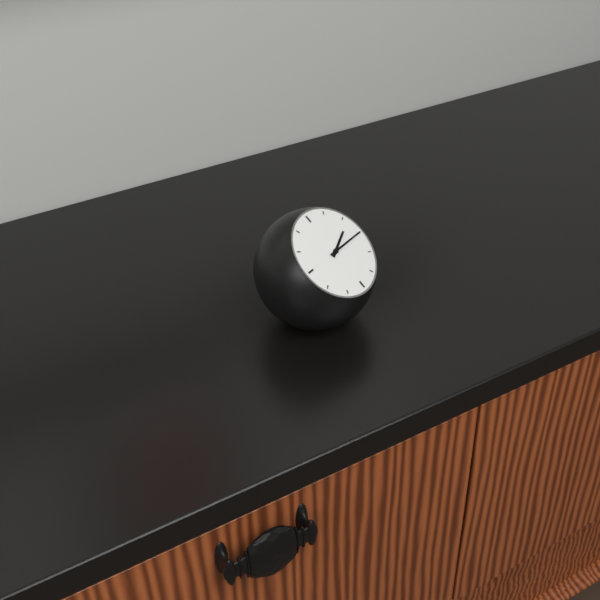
h=2 m=15
